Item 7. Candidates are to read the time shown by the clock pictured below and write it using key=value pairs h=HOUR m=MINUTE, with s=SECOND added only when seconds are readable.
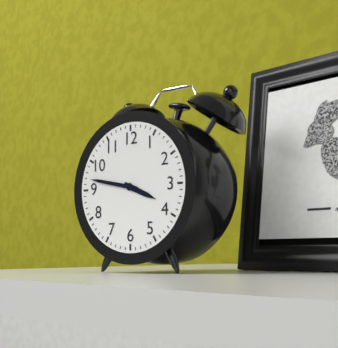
h=3 m=47
